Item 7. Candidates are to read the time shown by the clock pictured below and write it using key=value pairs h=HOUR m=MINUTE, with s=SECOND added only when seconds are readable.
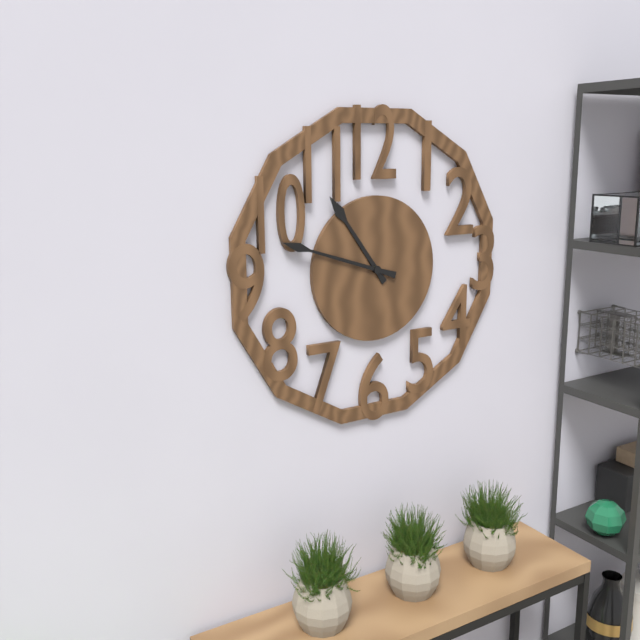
h=10 m=48
